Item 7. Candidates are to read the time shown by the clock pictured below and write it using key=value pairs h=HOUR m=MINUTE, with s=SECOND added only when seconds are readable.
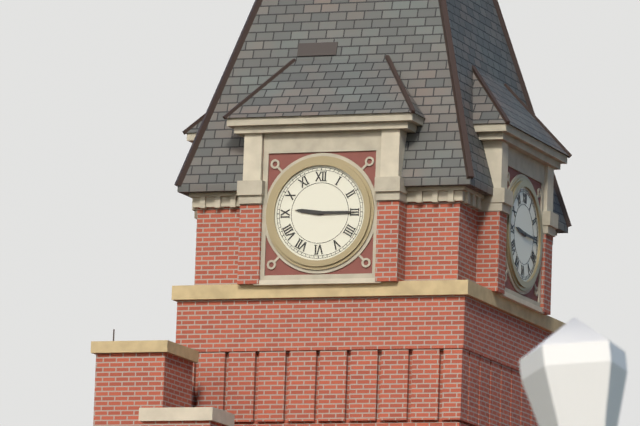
h=9 m=15
